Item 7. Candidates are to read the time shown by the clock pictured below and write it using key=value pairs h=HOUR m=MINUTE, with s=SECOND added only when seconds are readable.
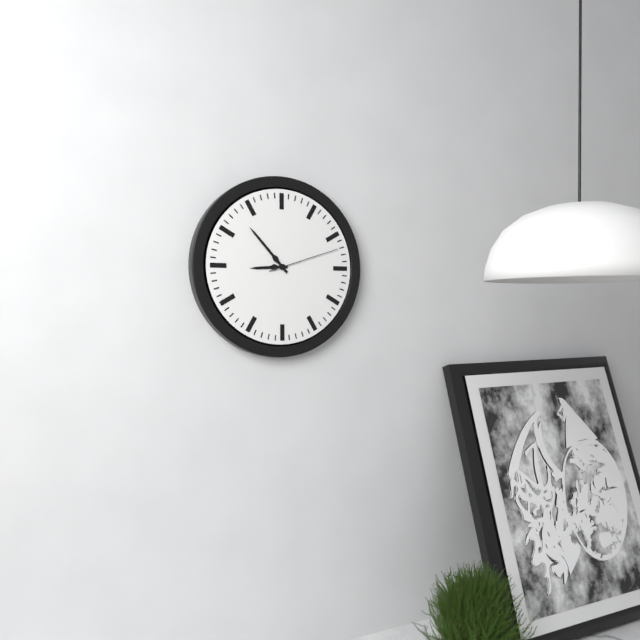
h=8 m=53 s=12
